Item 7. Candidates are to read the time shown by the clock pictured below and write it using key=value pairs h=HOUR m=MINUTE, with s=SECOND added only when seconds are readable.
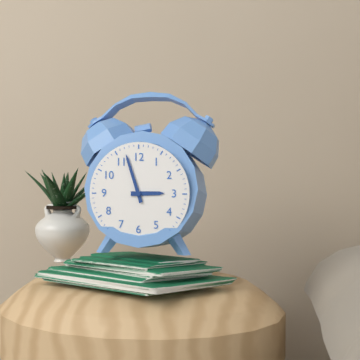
h=2 m=57
